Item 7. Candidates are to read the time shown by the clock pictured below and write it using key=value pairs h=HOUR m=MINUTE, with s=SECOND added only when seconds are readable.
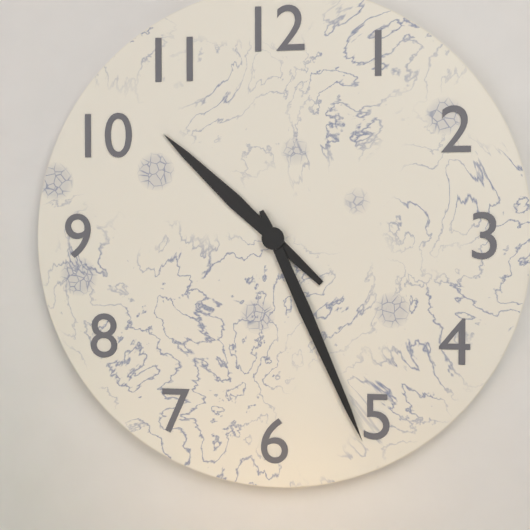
h=10 m=26
